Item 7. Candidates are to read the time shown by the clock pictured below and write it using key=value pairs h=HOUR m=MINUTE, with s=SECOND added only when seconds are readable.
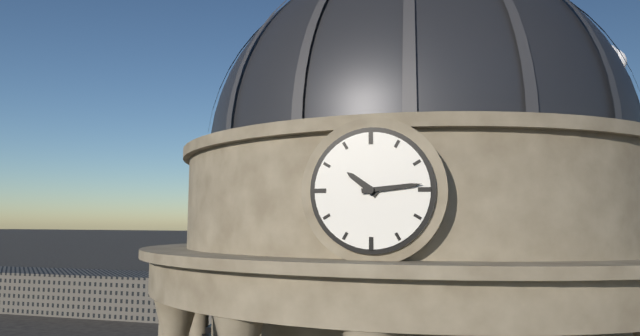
h=10 m=14
